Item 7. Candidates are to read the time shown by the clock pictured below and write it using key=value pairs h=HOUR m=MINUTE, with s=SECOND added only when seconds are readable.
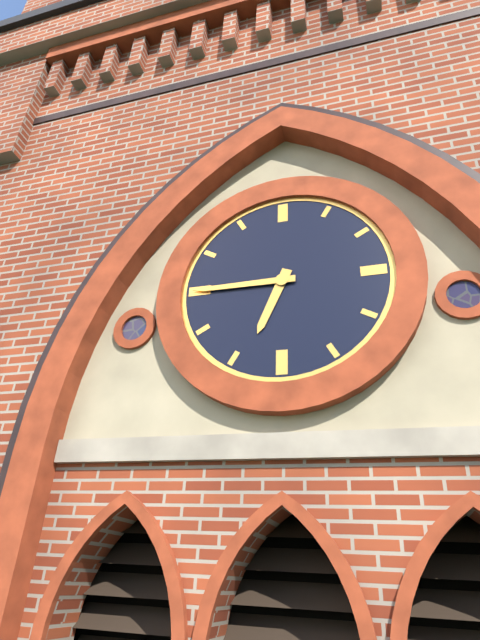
h=6 m=45
